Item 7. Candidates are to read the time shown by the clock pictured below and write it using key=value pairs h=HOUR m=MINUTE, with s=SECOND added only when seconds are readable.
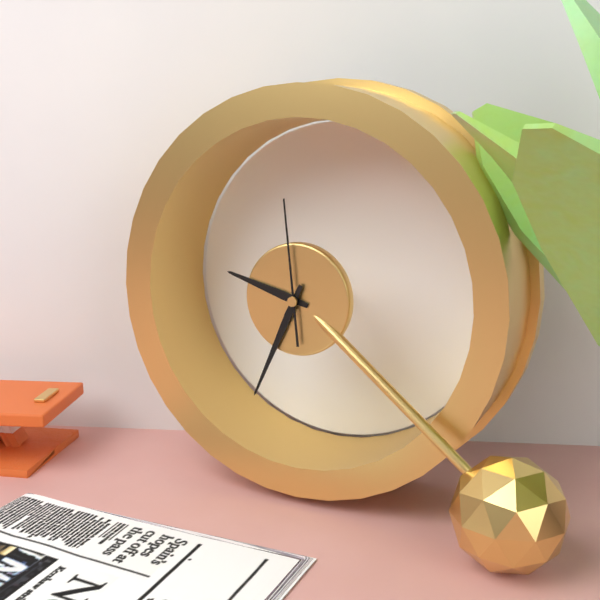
h=9 m=34 s=59
